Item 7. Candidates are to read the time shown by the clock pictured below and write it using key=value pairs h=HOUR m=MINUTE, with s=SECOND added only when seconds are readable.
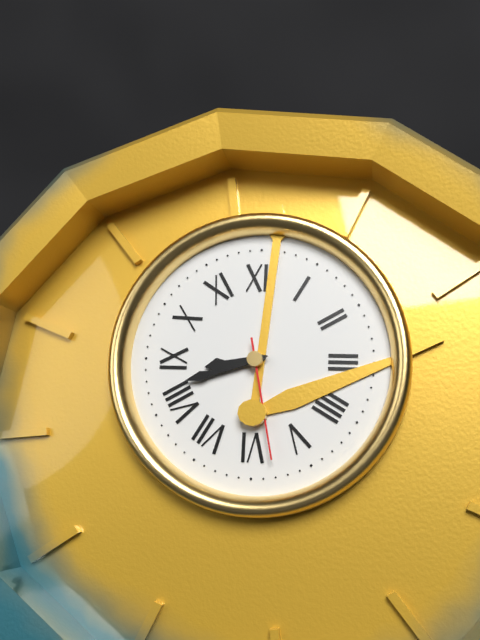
h=8 m=42 s=28
